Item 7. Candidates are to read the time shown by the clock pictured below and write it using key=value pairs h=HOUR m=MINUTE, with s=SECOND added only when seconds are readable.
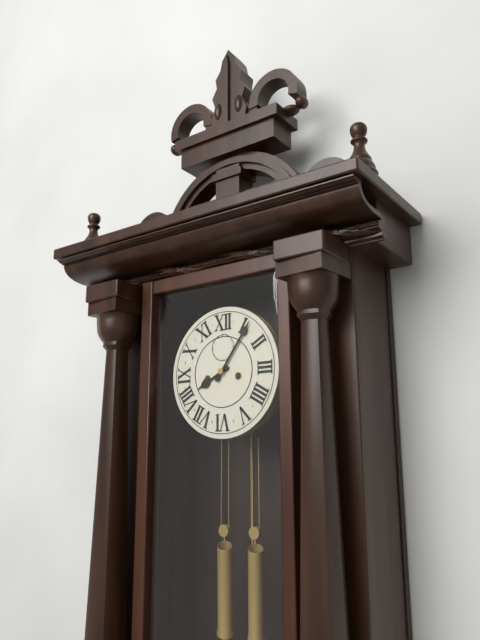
h=8 m=6
